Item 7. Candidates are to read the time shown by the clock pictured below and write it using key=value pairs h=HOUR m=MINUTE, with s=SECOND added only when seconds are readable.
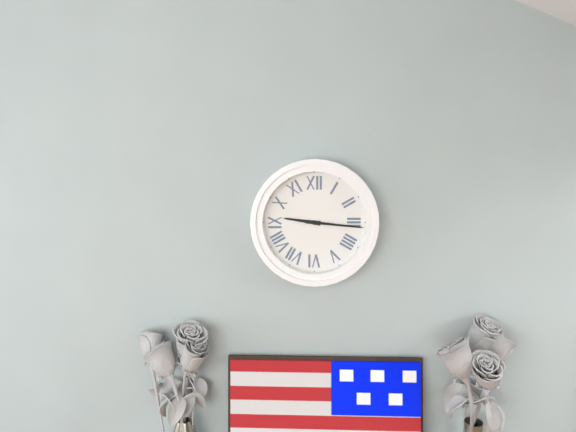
h=9 m=16
